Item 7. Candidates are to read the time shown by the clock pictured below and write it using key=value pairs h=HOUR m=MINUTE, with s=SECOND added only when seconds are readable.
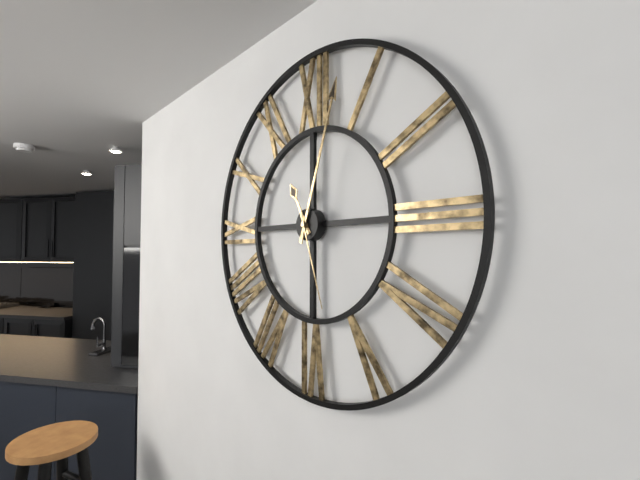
h=11 m=3 s=27
